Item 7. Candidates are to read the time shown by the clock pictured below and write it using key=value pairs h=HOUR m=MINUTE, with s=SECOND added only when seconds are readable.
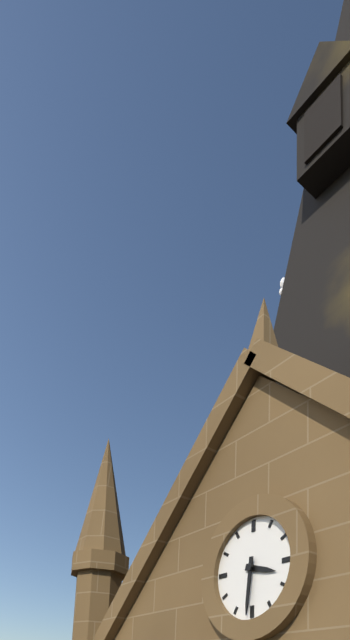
h=3 m=31
